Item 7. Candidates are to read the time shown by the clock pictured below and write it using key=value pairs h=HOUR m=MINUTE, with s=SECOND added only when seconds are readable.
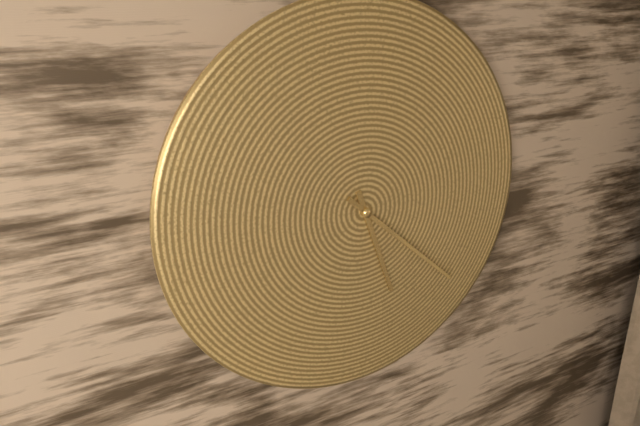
h=5 m=22
